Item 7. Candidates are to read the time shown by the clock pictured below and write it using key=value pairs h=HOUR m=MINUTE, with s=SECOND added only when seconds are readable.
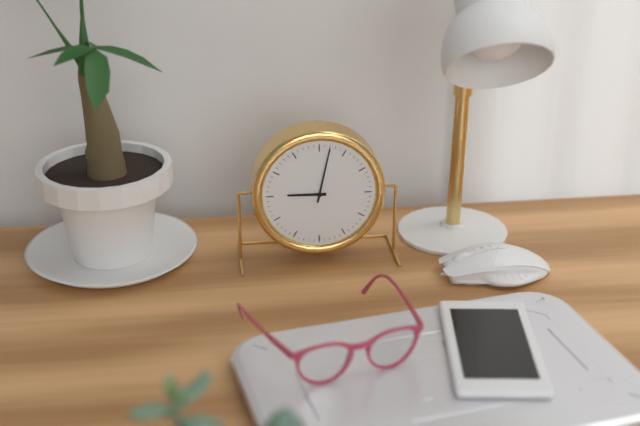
h=9 m=2
